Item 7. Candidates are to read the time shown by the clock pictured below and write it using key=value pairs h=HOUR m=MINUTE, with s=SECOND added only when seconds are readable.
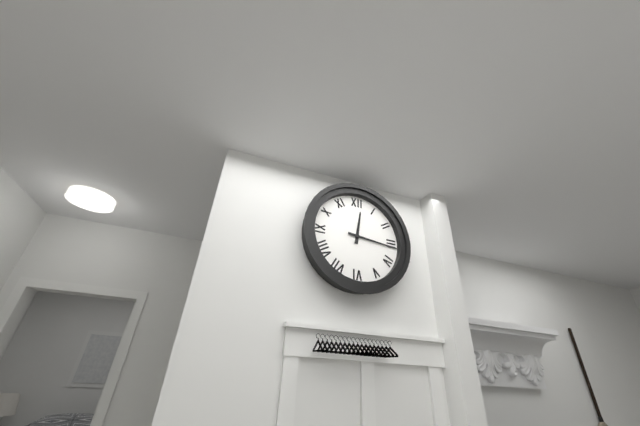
h=12 m=16
